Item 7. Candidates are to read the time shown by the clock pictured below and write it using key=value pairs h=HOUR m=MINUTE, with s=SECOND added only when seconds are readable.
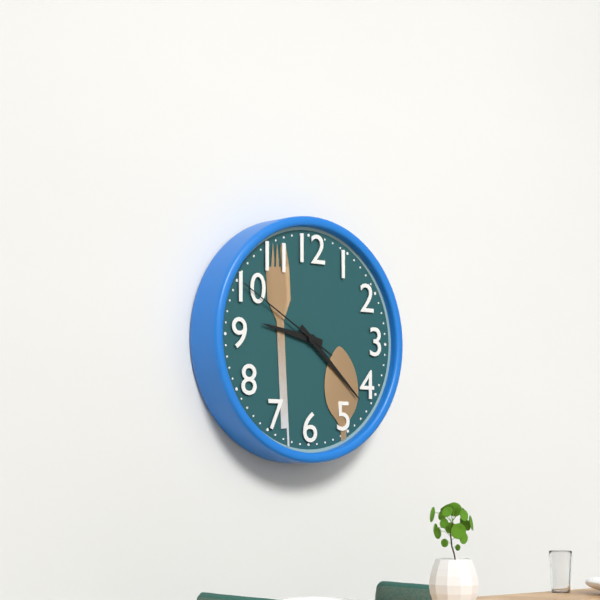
h=9 m=22 s=50
